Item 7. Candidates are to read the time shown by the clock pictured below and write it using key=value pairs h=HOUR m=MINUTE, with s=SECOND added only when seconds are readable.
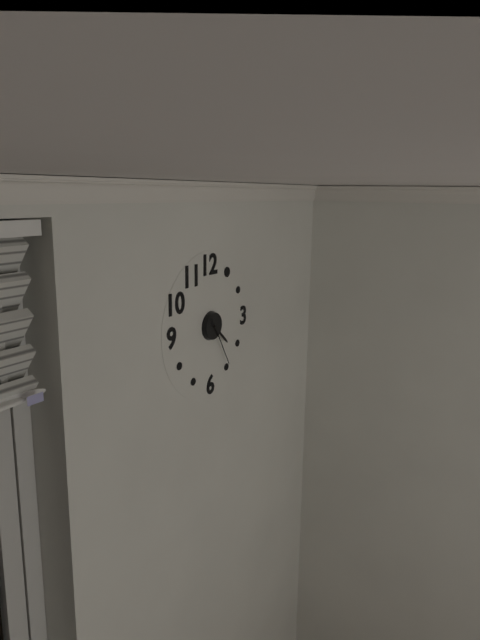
h=4 m=25
